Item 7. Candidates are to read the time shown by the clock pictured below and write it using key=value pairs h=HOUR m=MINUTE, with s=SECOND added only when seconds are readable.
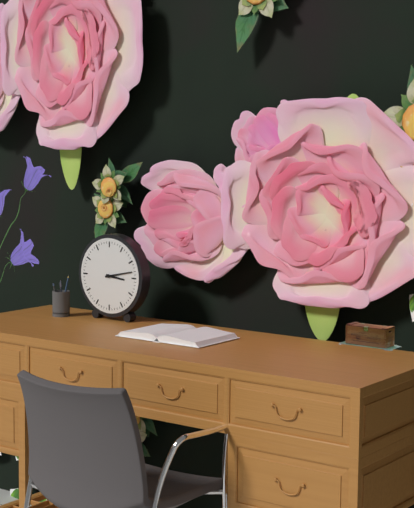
h=3 m=13
